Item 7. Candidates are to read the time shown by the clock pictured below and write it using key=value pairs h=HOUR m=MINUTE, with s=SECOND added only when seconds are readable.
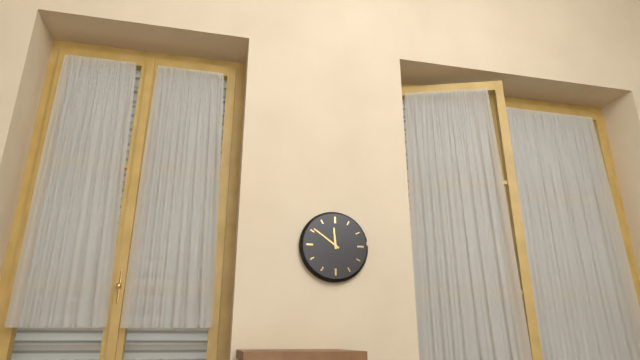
h=11 m=51
